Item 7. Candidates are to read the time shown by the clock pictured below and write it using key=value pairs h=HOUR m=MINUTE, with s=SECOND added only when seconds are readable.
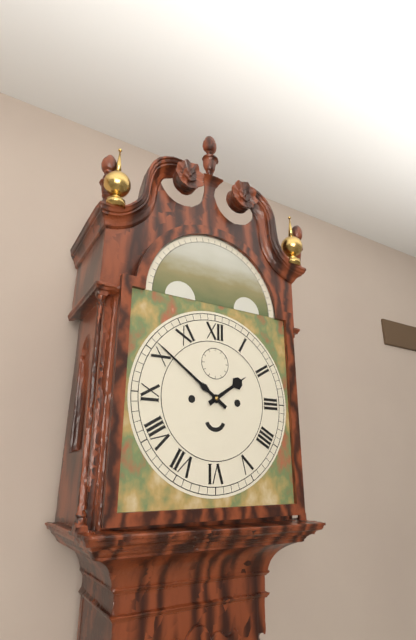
h=1 m=51
